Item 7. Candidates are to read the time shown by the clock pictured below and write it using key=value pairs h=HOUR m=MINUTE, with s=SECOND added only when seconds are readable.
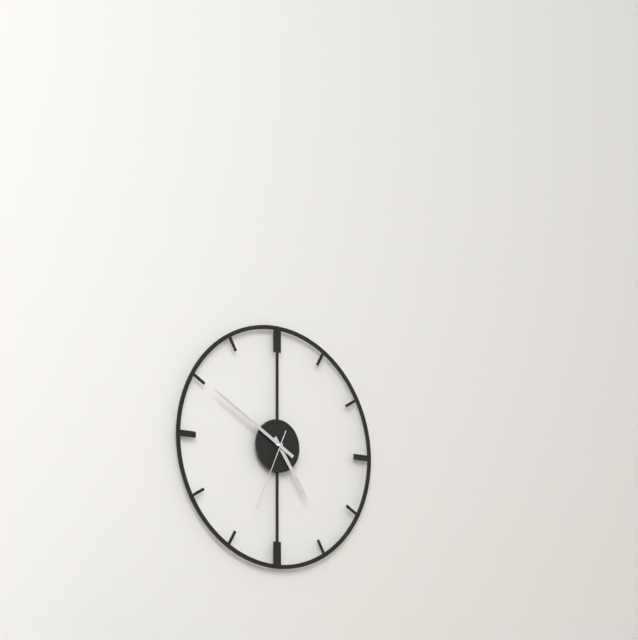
h=4 m=50 s=34
